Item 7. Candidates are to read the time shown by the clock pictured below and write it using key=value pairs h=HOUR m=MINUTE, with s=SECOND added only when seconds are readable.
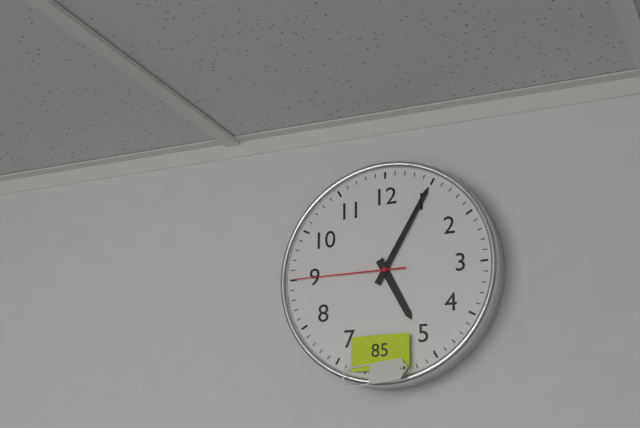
h=5 m=5 s=45
